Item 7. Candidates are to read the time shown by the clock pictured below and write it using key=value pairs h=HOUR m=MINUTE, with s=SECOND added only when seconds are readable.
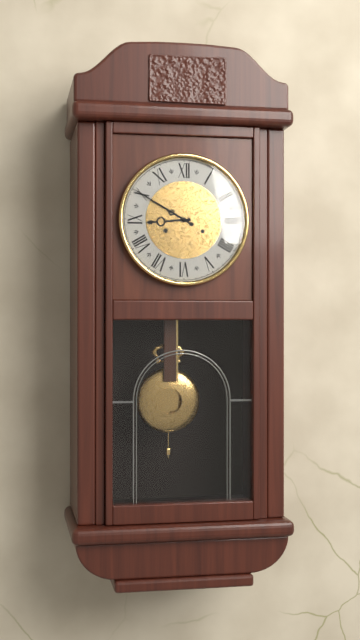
h=8 m=50
